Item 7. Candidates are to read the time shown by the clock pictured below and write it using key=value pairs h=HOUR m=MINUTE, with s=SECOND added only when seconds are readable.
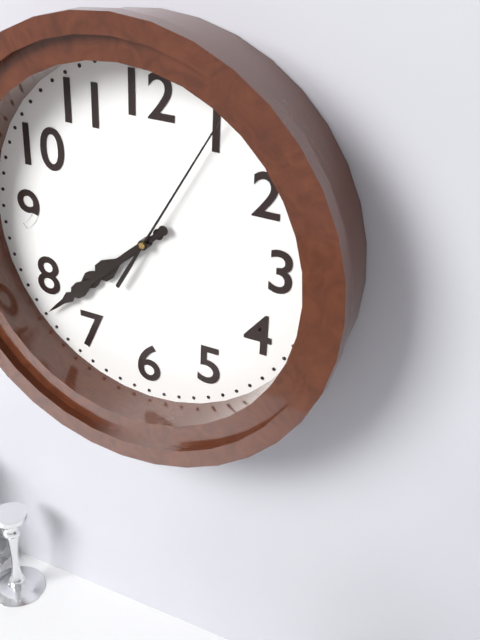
h=7 m=38 s=5
